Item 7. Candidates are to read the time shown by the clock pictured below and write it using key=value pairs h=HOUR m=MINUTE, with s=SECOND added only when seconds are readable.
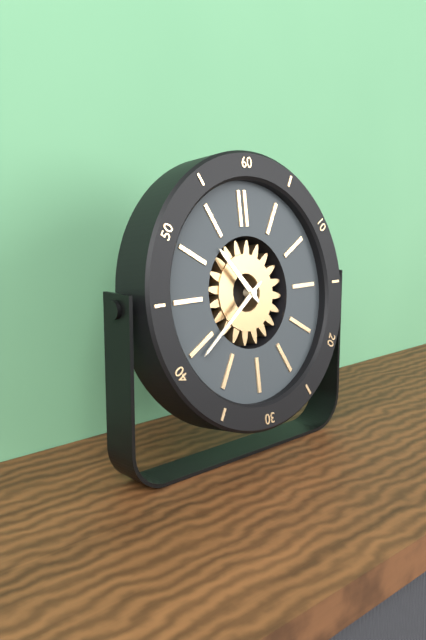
h=10 m=39
